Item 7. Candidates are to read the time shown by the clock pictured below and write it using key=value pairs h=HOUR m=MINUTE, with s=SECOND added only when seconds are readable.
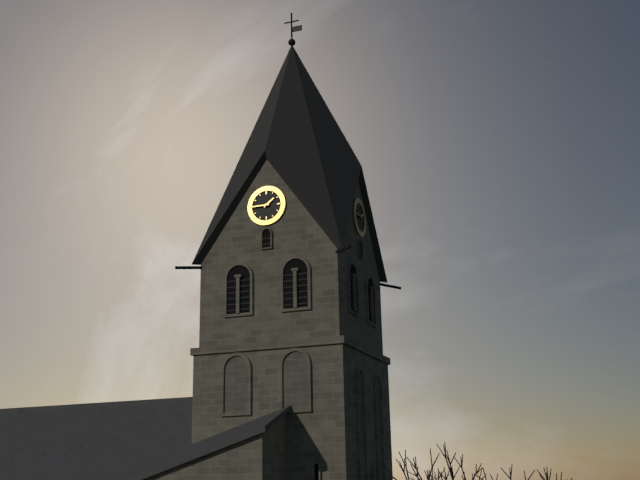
h=1 m=45
